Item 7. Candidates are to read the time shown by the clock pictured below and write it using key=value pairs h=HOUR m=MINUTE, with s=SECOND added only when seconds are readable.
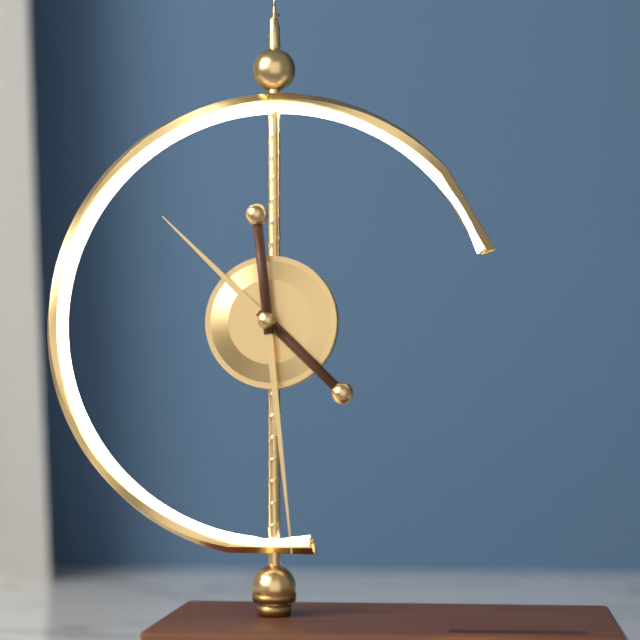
h=10 m=29
